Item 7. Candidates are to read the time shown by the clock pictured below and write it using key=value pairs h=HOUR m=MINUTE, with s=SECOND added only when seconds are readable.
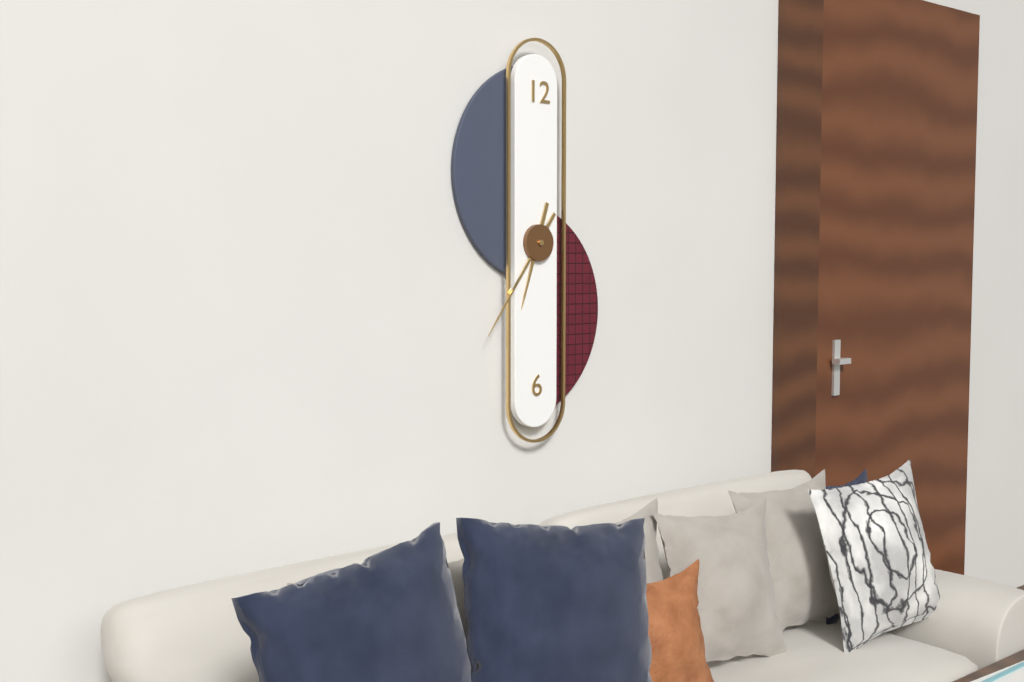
h=6 m=36
